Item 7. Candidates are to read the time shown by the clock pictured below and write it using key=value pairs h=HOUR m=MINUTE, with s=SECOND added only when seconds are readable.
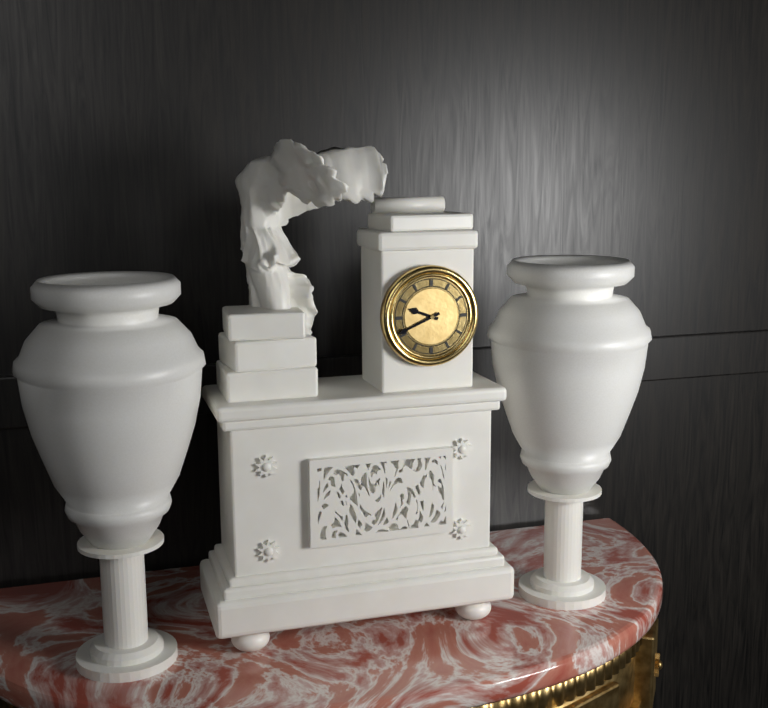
h=9 m=41
